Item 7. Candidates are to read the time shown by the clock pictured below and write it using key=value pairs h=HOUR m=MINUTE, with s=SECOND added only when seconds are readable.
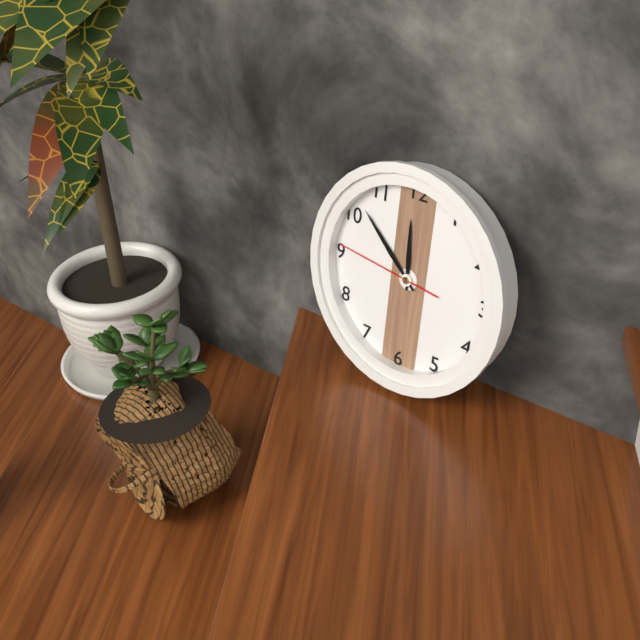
h=11 m=52 s=46
